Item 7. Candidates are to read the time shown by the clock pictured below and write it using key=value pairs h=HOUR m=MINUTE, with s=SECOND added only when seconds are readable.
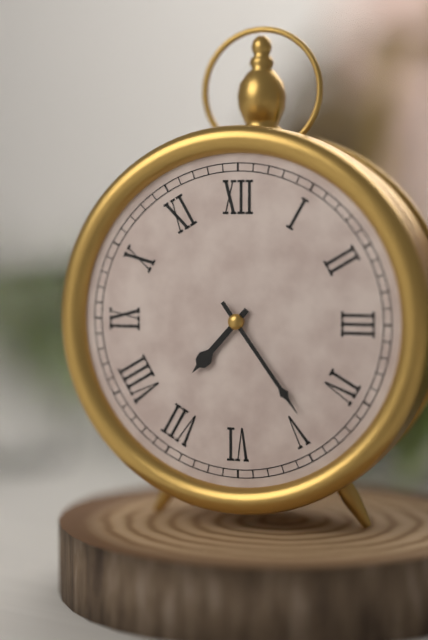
h=7 m=24
